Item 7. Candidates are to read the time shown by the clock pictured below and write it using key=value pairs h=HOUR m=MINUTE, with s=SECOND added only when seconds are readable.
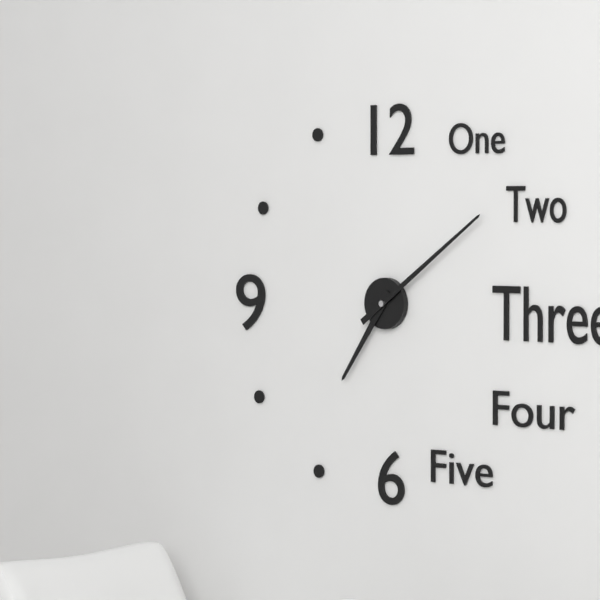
h=7 m=9
